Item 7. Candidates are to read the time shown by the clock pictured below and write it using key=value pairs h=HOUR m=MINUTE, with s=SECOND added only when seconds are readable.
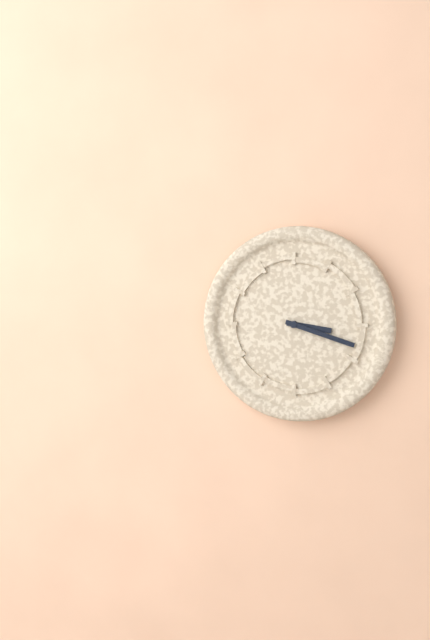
h=3 m=18
